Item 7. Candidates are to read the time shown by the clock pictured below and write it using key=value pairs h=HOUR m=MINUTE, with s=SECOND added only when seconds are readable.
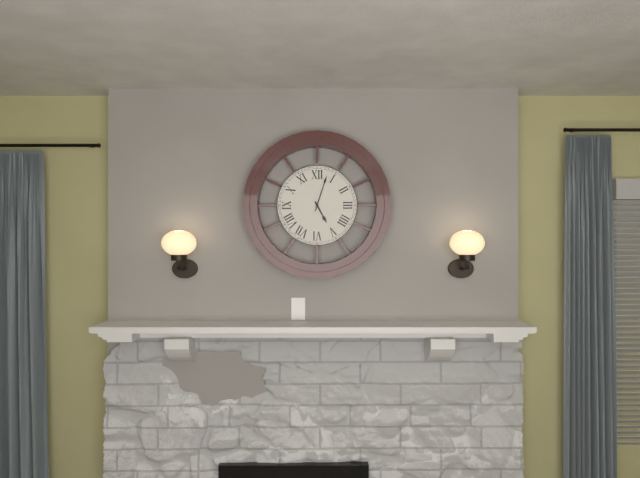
h=5 m=3
